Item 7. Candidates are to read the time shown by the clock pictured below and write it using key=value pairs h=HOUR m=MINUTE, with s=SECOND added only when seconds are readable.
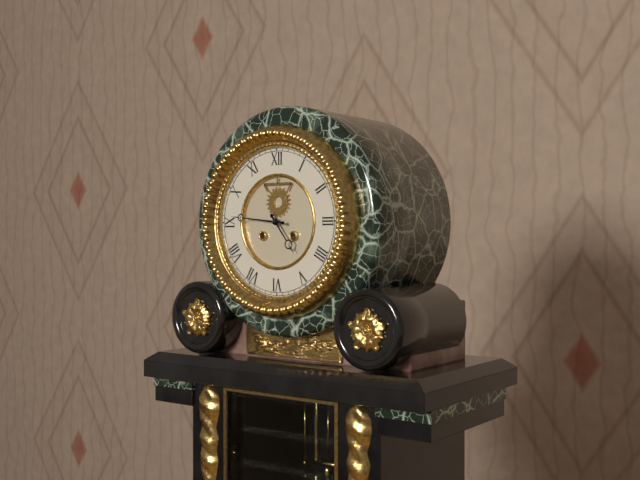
h=4 m=46
